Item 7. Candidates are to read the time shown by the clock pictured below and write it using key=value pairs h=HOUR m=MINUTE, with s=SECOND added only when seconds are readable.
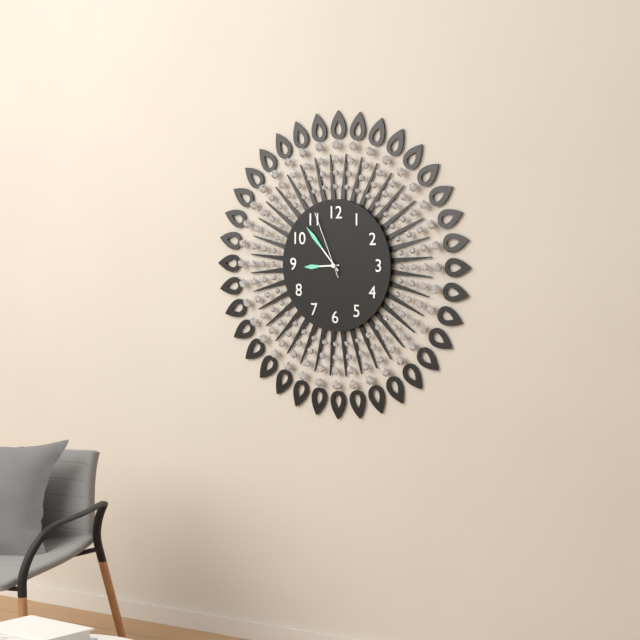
h=8 m=53 s=56
